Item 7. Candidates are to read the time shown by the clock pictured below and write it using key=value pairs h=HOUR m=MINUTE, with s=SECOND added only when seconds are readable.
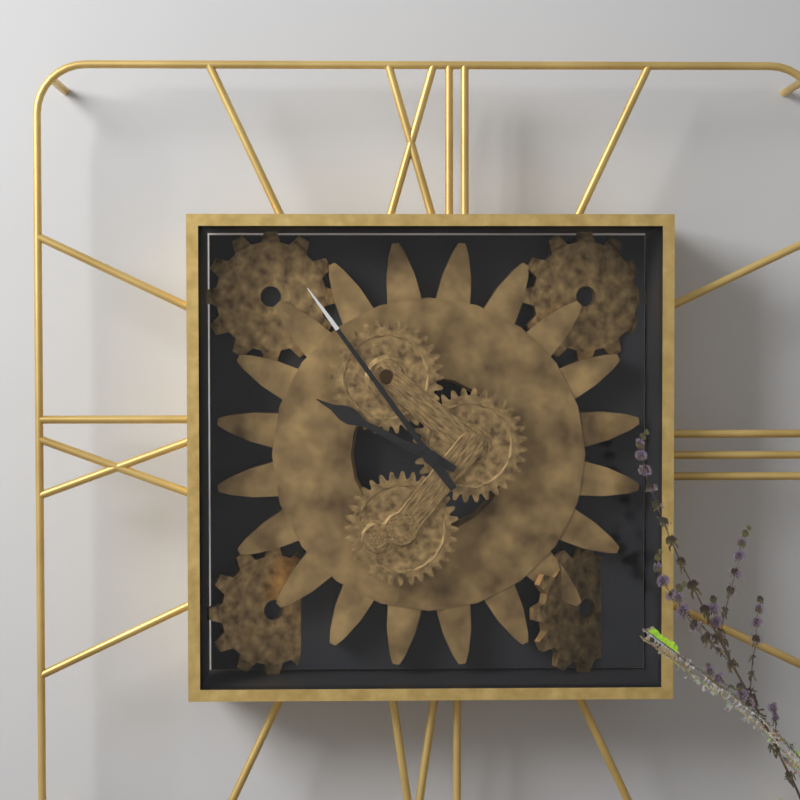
h=9 m=54
